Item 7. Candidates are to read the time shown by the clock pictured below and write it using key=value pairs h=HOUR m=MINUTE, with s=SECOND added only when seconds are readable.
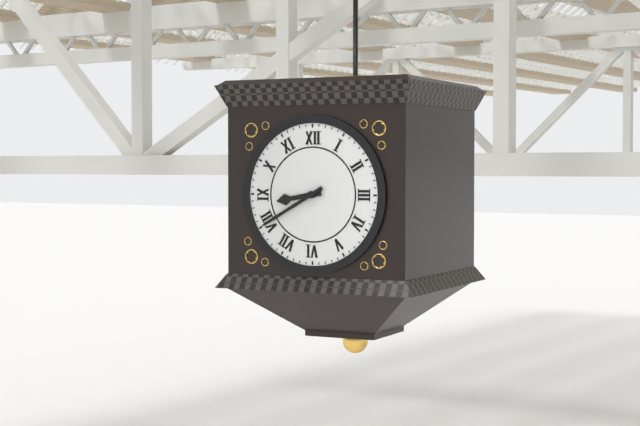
h=8 m=40
